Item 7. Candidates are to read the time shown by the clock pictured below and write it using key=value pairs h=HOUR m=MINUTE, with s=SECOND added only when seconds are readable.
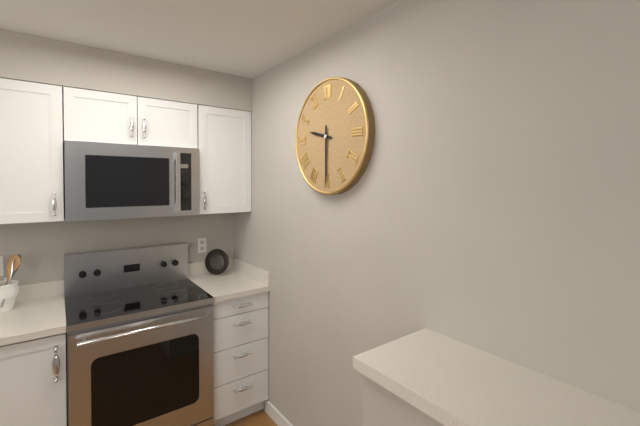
h=9 m=30
